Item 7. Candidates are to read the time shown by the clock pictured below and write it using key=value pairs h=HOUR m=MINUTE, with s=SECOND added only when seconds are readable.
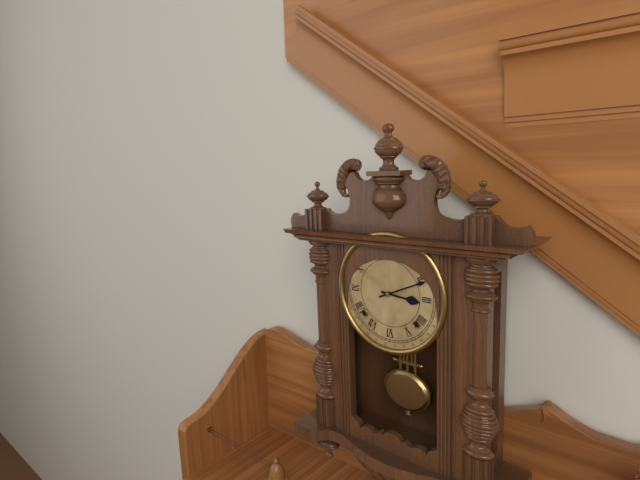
h=3 m=11
